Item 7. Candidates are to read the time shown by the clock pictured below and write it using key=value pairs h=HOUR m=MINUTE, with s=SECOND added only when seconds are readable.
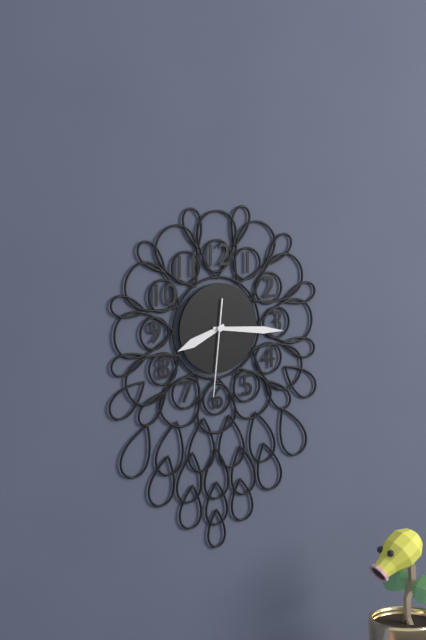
h=8 m=16 s=31
